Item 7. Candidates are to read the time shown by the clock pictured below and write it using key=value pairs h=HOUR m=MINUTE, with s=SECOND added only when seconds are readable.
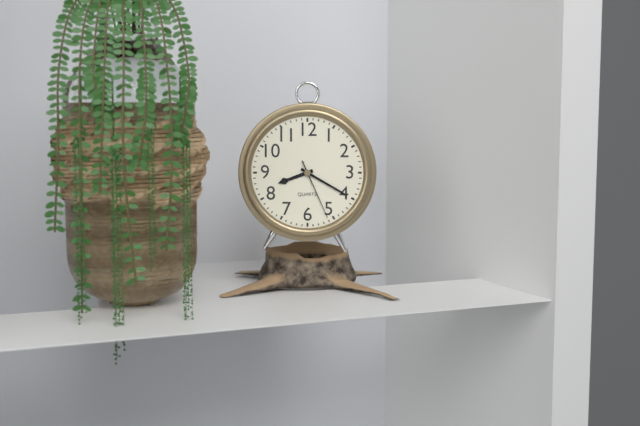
h=8 m=20 s=26
